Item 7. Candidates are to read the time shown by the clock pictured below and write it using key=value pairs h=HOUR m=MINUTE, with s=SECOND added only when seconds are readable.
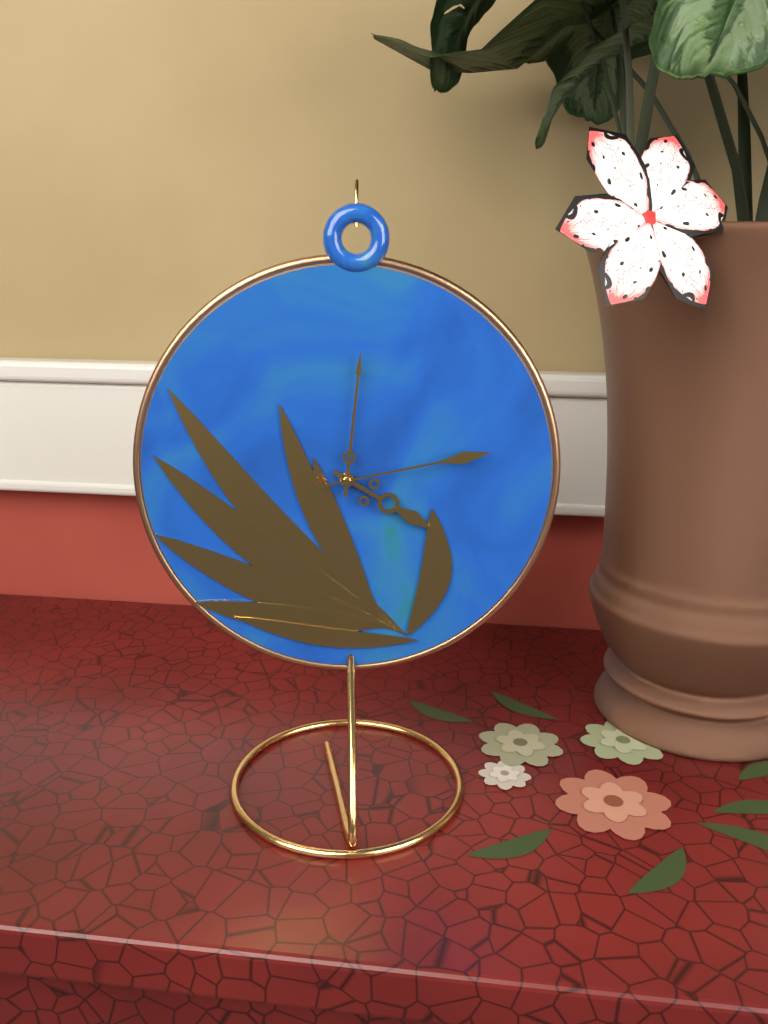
h=4 m=1 s=13
